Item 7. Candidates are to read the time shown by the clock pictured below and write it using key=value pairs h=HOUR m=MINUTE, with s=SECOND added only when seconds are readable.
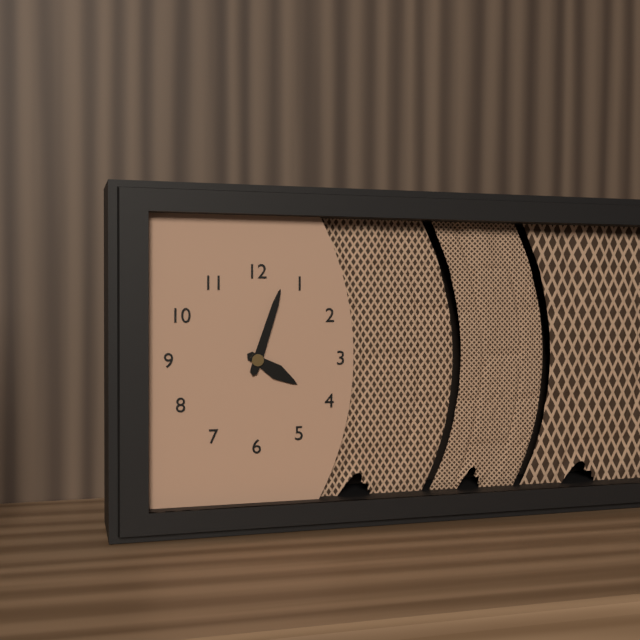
h=4 m=3
